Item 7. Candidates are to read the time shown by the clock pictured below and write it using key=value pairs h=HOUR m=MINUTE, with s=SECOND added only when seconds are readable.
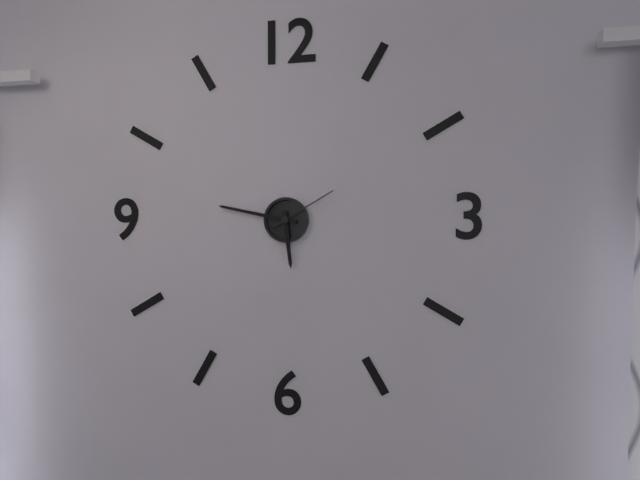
h=5 m=47 s=10
